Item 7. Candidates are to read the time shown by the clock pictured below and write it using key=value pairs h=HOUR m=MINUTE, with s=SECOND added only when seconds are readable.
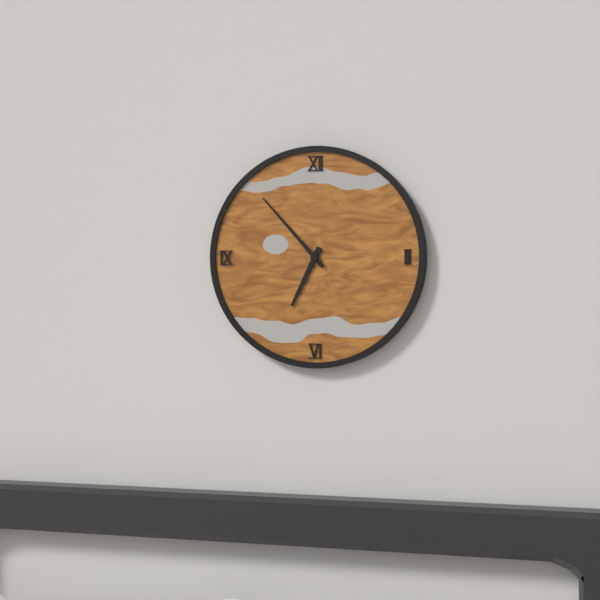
h=6 m=53
